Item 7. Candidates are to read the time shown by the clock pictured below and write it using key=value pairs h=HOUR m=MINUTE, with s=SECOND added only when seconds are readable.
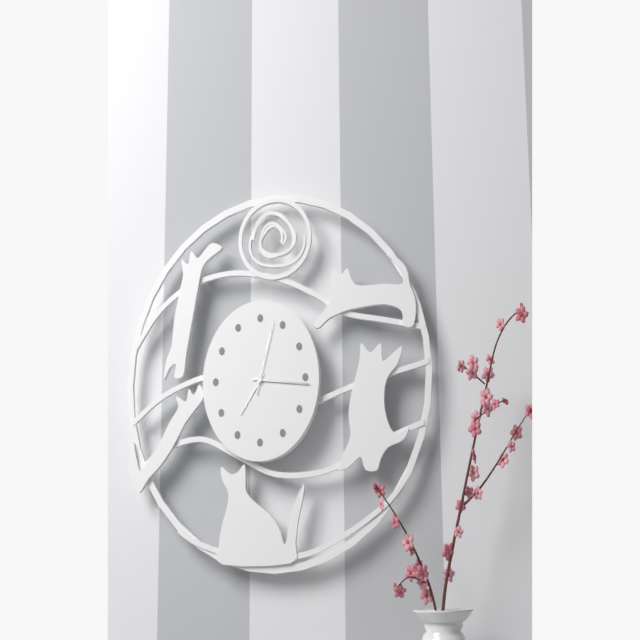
h=7 m=16 s=3
